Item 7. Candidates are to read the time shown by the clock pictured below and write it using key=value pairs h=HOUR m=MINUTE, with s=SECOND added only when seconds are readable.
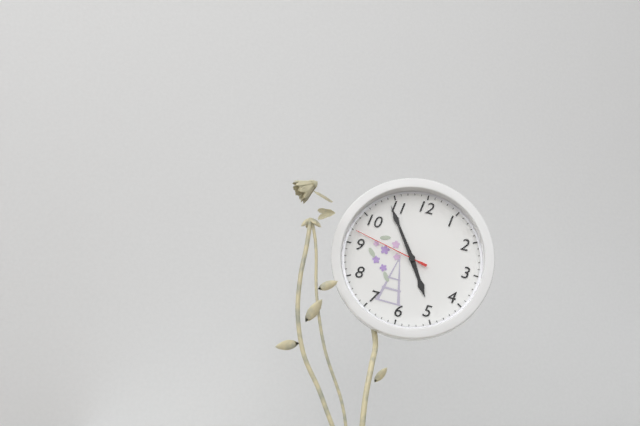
h=4 m=54 s=47
